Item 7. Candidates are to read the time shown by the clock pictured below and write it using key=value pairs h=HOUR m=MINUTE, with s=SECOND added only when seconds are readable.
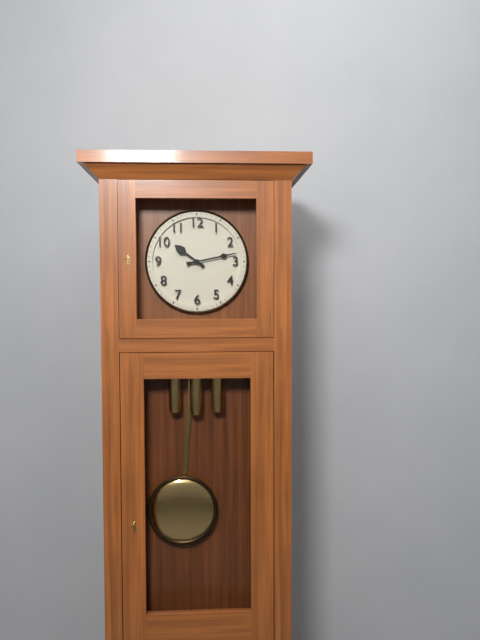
h=10 m=13
